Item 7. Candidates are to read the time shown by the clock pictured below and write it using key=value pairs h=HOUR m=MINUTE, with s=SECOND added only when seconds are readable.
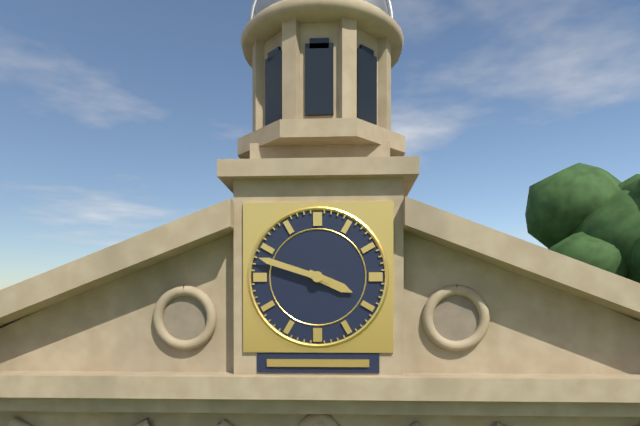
h=3 m=48
